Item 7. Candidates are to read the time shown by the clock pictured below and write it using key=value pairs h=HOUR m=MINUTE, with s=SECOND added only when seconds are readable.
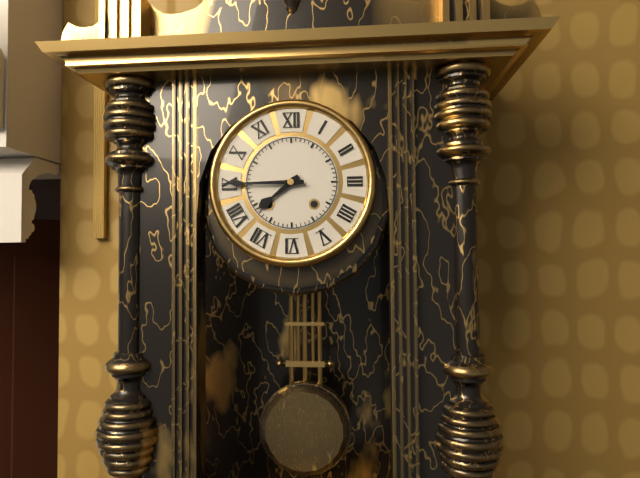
h=7 m=45
